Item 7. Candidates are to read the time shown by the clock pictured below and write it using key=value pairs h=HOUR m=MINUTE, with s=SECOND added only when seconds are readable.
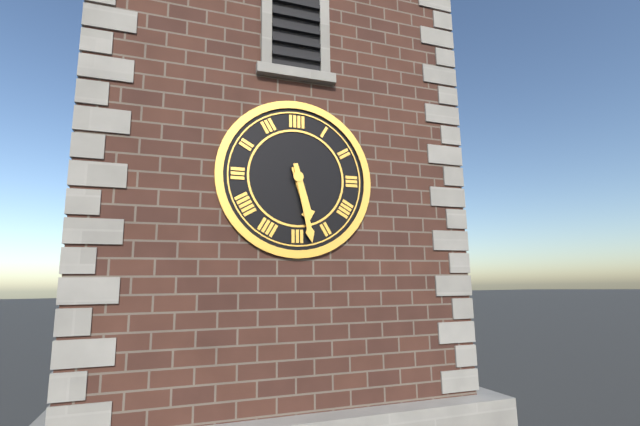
h=5 m=28
